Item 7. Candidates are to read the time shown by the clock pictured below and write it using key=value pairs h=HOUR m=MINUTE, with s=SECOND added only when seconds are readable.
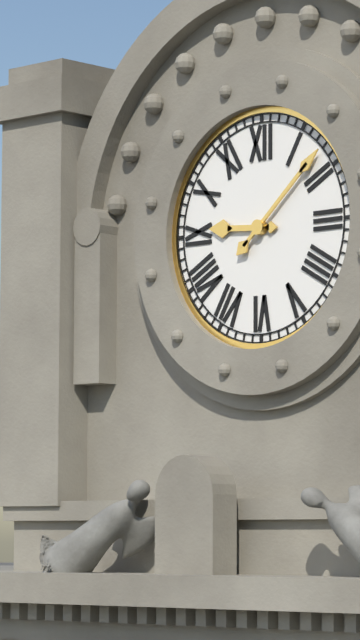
h=9 m=8
